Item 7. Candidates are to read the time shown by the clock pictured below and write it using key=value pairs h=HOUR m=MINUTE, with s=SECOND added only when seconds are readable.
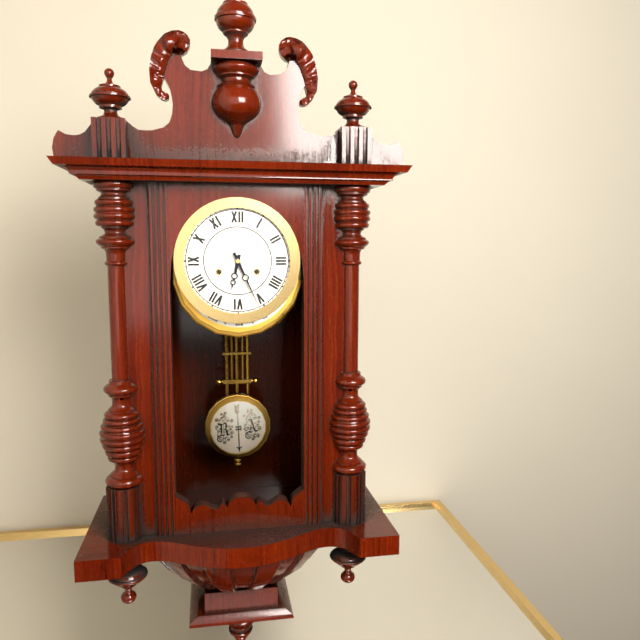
h=6 m=26
